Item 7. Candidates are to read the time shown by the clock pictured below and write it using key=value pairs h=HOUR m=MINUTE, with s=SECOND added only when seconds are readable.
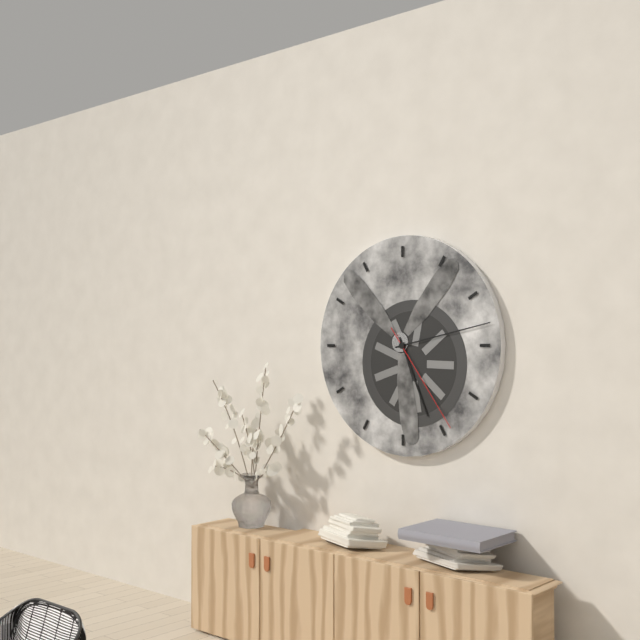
h=5 m=13 s=24
